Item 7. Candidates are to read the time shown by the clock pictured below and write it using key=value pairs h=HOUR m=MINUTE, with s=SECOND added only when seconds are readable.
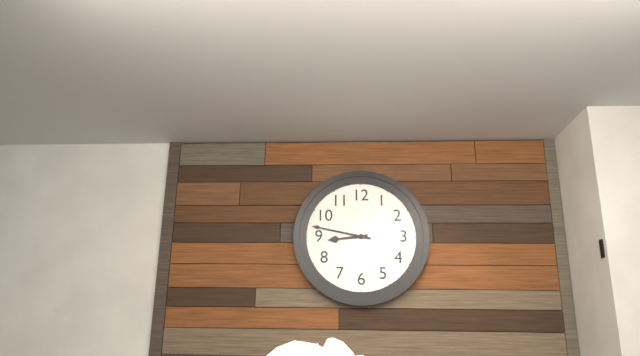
h=8 m=47
